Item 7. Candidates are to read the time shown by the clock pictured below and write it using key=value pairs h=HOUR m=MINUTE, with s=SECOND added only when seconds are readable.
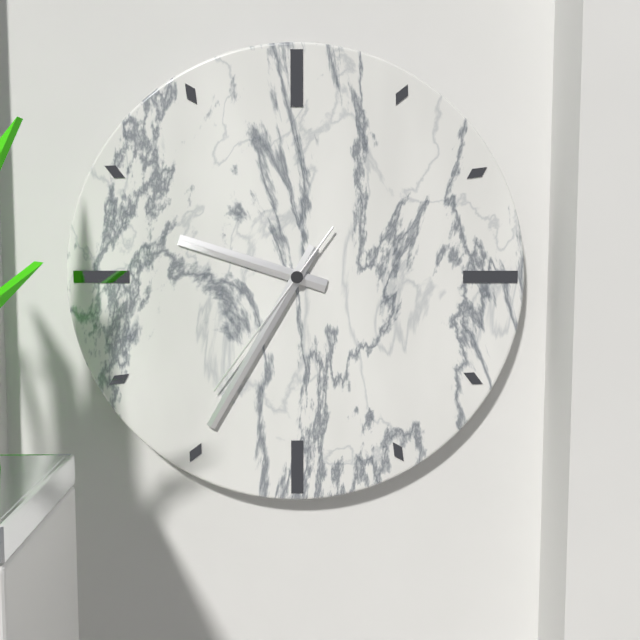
h=9 m=35 s=36
